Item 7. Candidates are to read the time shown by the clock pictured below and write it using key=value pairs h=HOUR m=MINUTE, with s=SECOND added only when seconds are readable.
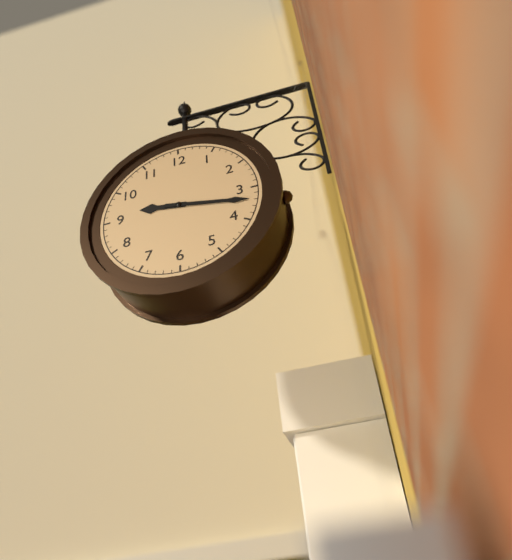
h=9 m=17
